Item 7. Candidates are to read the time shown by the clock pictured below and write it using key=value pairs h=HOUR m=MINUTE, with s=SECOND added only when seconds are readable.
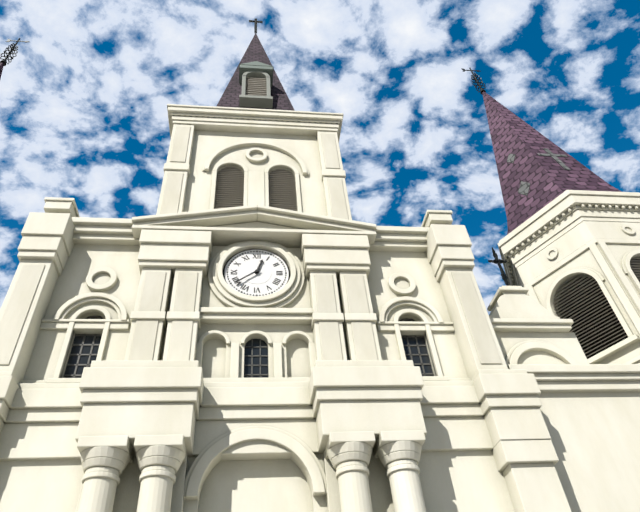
h=12 m=39
